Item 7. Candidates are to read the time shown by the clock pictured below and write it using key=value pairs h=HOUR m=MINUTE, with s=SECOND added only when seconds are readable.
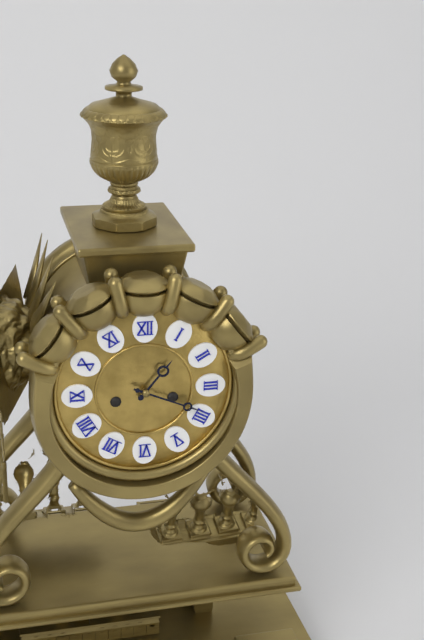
h=1 m=19
